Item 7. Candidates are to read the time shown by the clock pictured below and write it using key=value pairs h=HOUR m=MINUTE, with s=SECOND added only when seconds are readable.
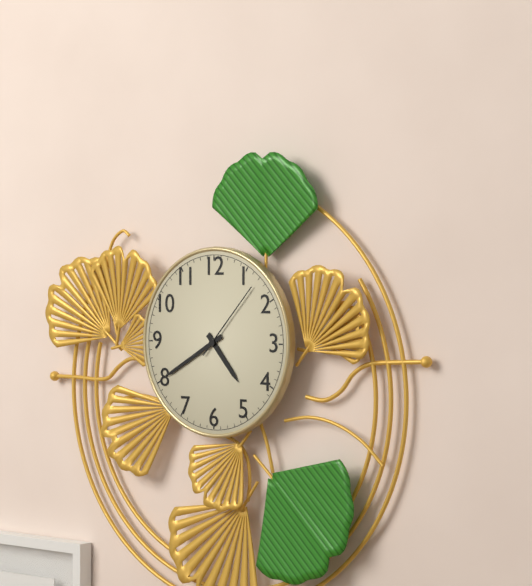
h=4 m=40 s=7
